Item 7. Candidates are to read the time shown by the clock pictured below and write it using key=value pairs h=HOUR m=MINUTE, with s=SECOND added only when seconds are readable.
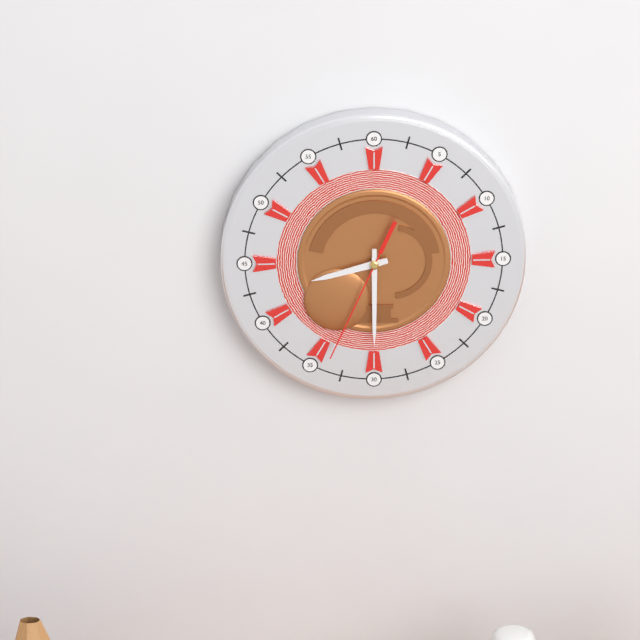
h=8 m=30 s=34
